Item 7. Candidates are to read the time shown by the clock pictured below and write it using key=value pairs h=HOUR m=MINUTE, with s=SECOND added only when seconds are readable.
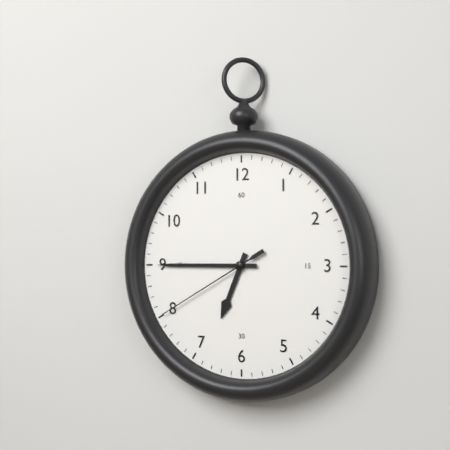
h=6 m=45 s=40
